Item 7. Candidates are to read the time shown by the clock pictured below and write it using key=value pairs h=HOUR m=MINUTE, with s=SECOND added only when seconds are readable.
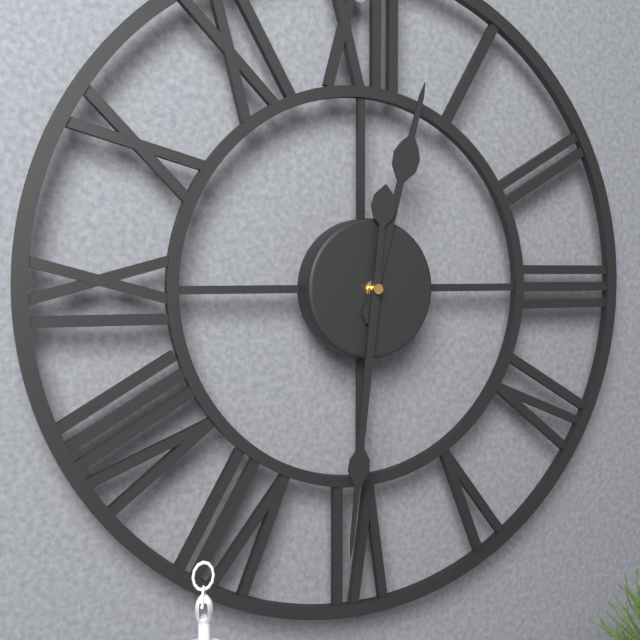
h=12 m=31
